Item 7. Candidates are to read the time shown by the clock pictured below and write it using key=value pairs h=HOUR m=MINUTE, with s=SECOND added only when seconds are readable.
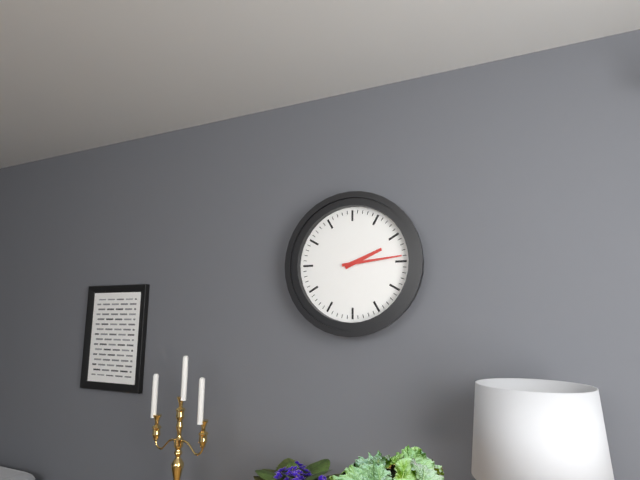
h=2 m=14
